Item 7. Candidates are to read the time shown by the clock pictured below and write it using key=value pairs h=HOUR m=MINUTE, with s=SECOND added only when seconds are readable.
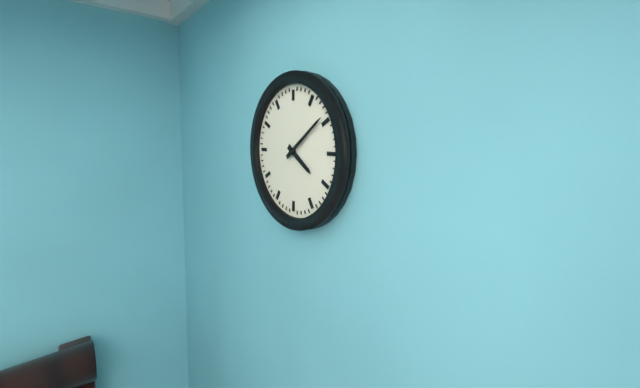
h=4 m=9
